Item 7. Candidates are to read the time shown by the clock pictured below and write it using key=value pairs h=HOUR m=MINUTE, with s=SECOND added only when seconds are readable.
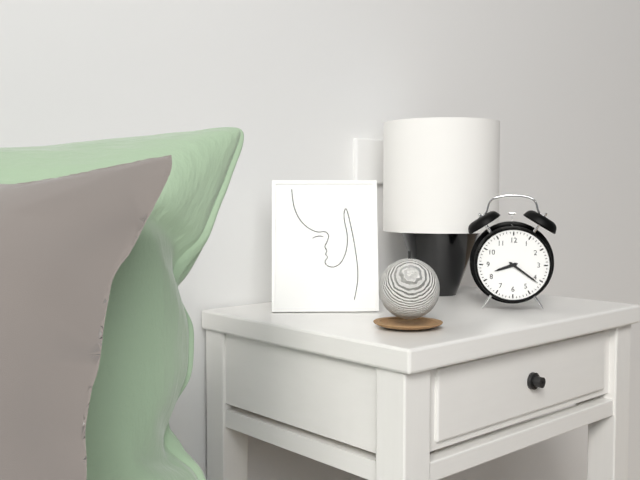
h=8 m=21
